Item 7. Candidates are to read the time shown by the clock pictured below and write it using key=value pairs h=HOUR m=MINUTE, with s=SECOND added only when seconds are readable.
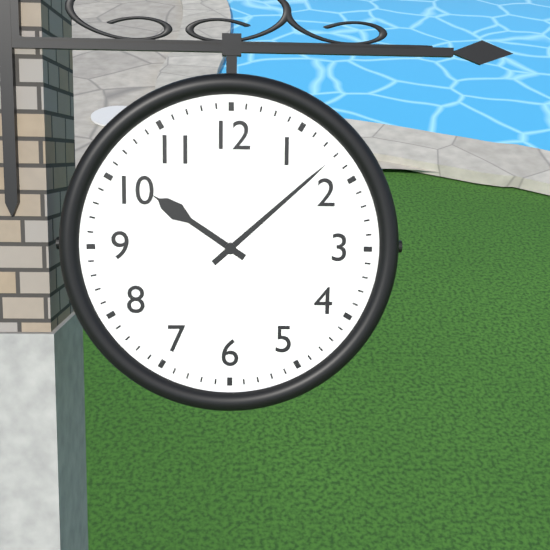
h=10 m=8
